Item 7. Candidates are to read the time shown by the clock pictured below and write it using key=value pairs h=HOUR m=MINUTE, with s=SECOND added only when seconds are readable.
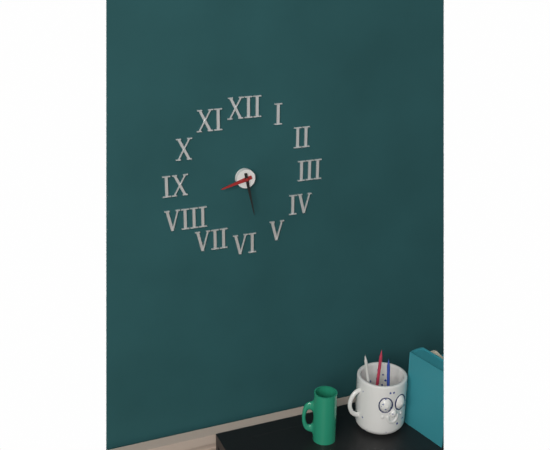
h=8 m=28
